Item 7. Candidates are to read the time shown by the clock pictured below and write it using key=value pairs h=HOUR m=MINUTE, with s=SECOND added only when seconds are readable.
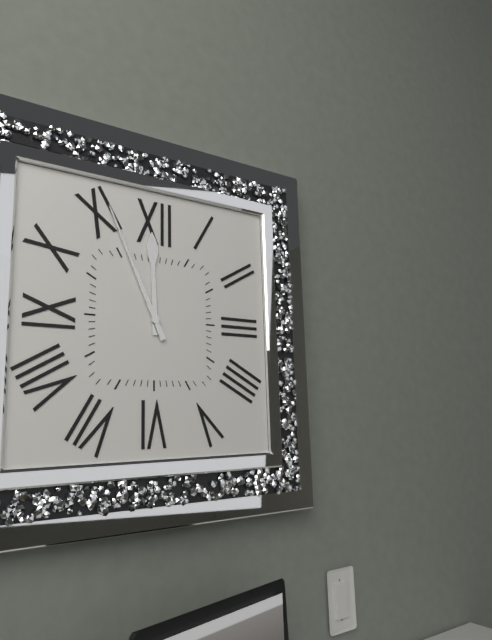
h=11 m=56
